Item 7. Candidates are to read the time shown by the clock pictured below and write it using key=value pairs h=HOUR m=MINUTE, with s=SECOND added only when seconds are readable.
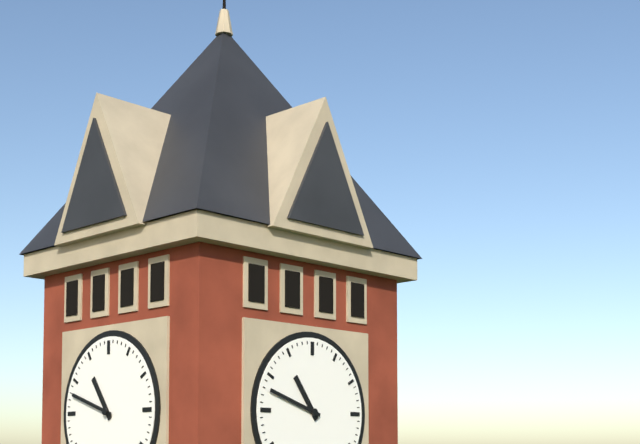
h=10 m=48
